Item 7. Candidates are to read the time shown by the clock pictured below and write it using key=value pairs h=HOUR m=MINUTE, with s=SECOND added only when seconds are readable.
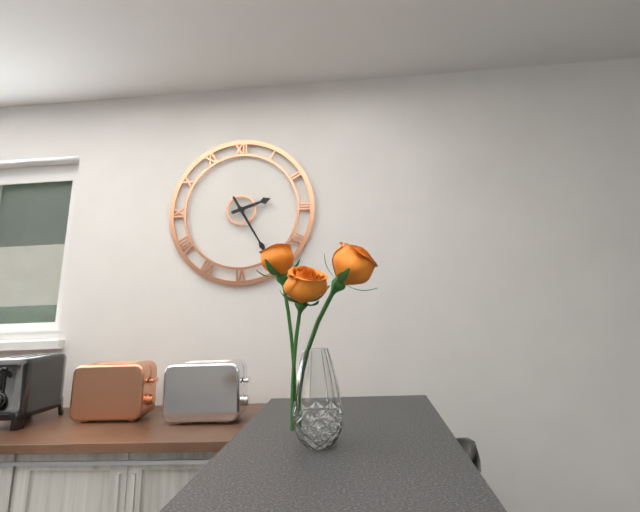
h=2 m=25
